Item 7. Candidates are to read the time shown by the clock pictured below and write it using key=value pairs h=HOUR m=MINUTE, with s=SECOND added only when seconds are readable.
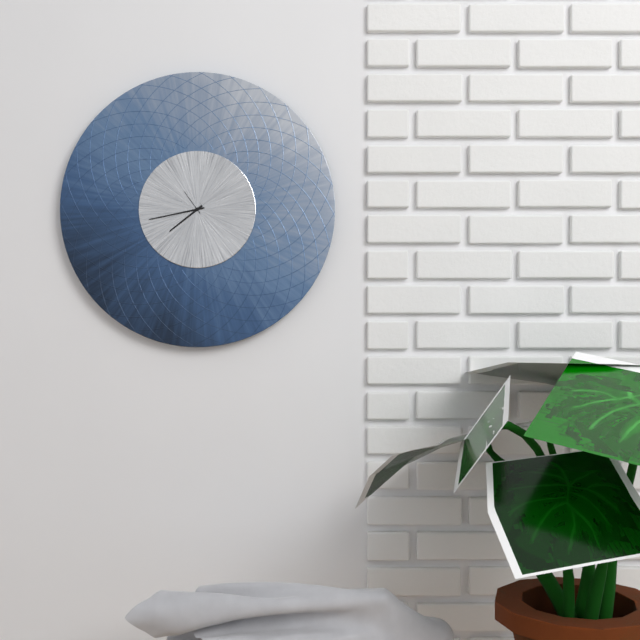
h=7 m=43
